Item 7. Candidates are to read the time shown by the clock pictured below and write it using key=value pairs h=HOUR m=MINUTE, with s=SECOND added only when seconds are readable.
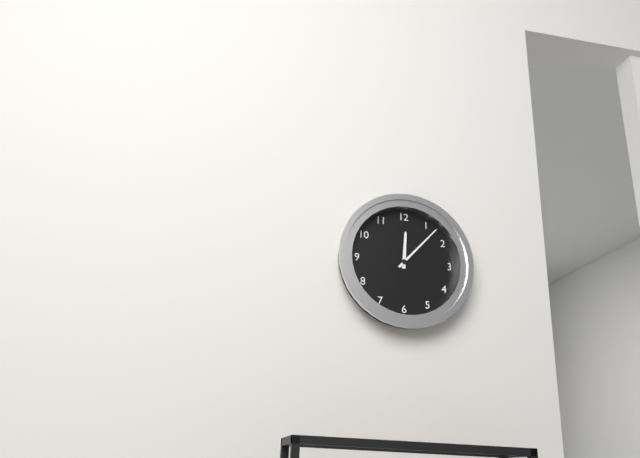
h=12 m=7
